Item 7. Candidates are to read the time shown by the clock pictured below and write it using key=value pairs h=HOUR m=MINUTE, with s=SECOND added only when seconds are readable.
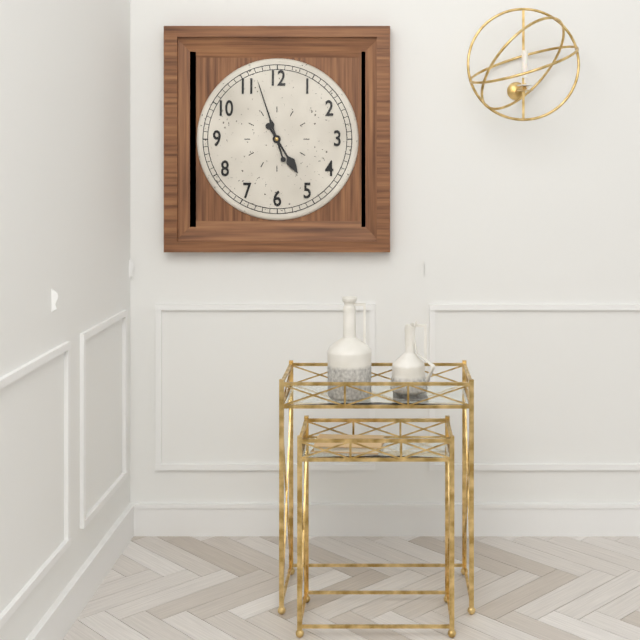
h=4 m=57
